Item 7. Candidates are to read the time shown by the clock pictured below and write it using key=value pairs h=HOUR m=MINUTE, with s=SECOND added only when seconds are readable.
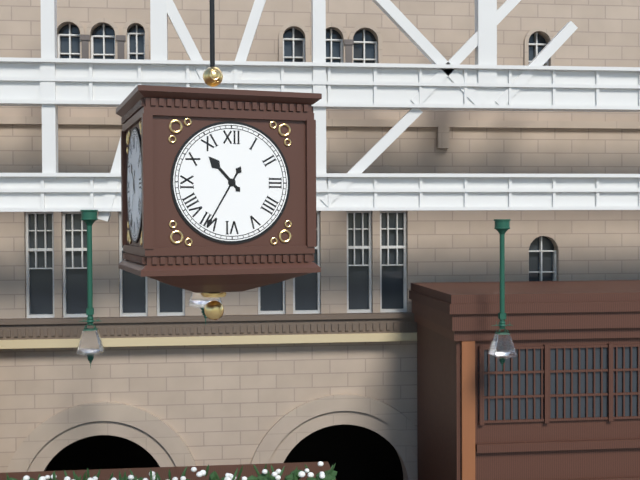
h=10 m=35
